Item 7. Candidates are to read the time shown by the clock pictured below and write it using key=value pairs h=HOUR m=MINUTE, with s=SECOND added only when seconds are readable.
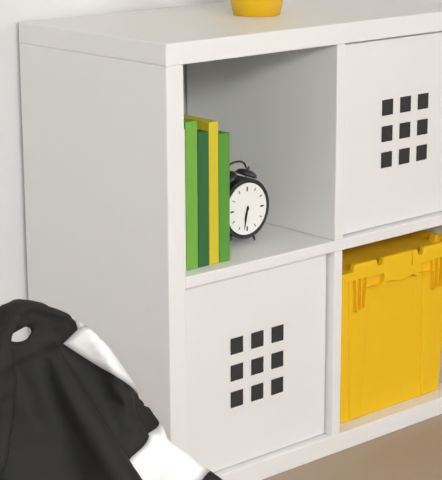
h=6 m=32
